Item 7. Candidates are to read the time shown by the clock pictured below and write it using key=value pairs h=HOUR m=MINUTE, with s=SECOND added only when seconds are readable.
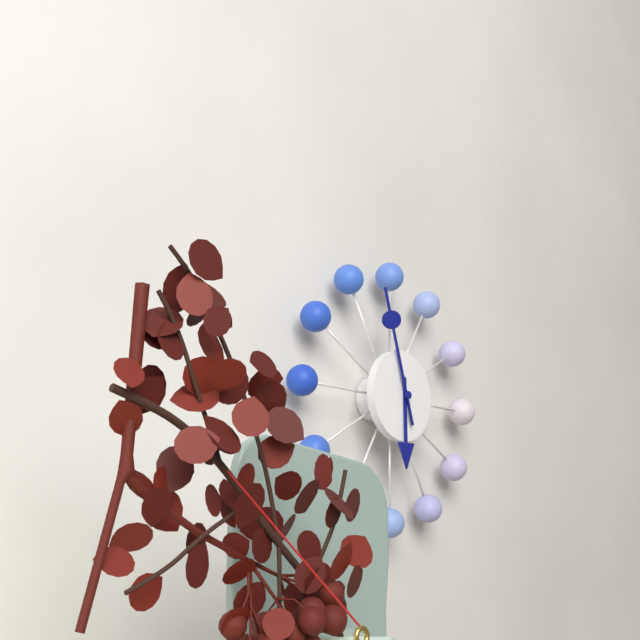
h=5 m=57
